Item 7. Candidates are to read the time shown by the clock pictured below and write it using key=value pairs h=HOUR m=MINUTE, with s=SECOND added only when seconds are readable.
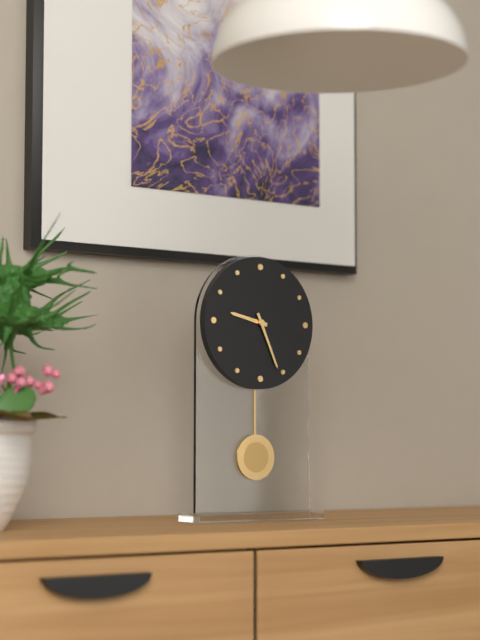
h=9 m=26
